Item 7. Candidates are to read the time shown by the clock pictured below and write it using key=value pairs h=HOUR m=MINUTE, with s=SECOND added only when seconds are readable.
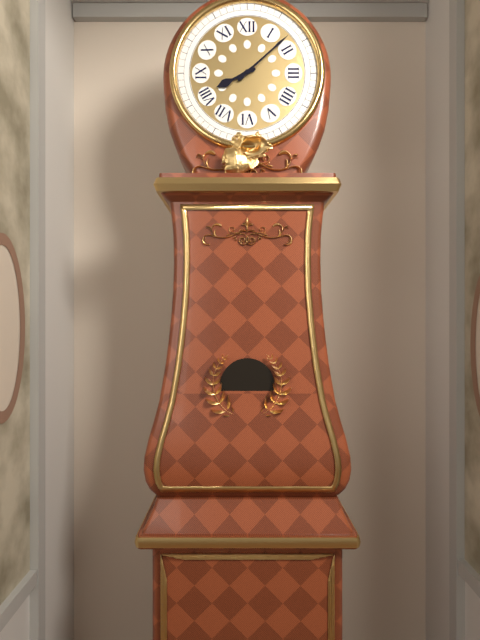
h=8 m=8
